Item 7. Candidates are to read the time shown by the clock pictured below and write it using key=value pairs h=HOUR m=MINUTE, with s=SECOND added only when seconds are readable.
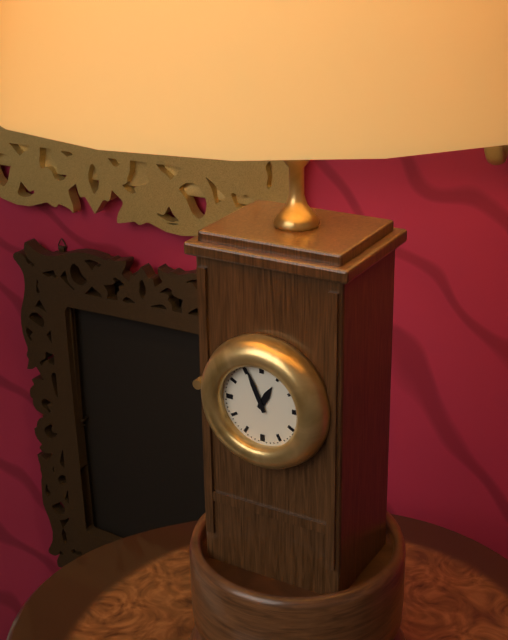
h=12 m=56
